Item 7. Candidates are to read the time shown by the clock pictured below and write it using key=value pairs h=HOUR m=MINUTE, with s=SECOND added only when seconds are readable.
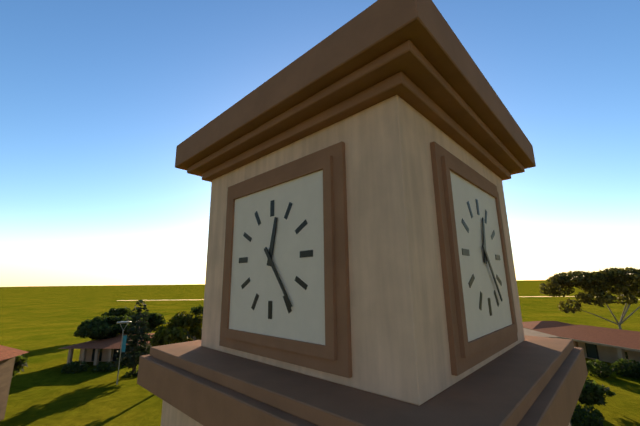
h=12 m=24
